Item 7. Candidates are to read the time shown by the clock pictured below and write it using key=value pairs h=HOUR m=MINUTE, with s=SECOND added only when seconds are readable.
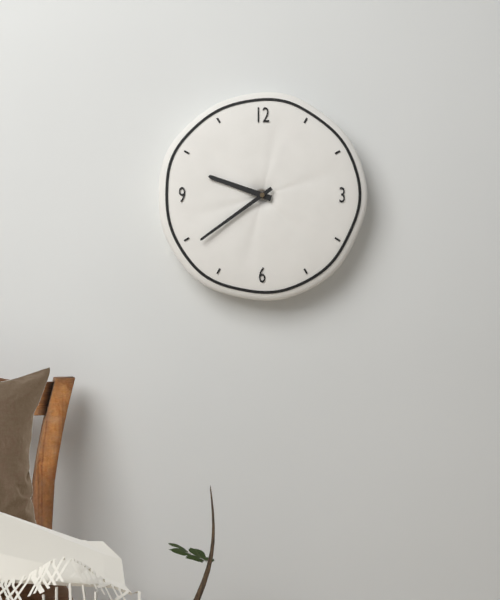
h=9 m=39
